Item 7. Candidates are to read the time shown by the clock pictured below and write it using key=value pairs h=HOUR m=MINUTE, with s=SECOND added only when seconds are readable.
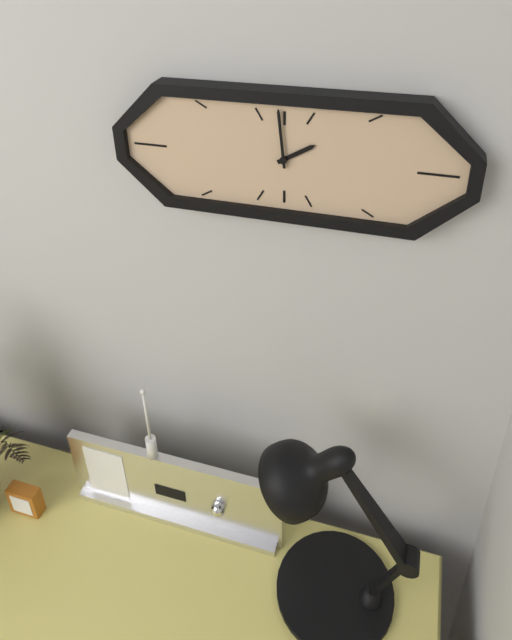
h=1 m=59
